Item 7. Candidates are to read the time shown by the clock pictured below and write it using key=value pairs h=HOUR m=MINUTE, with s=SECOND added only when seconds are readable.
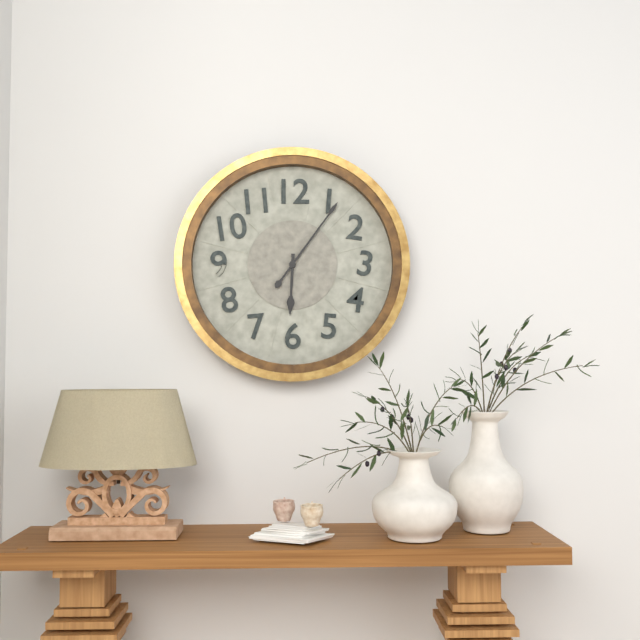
h=6 m=6
